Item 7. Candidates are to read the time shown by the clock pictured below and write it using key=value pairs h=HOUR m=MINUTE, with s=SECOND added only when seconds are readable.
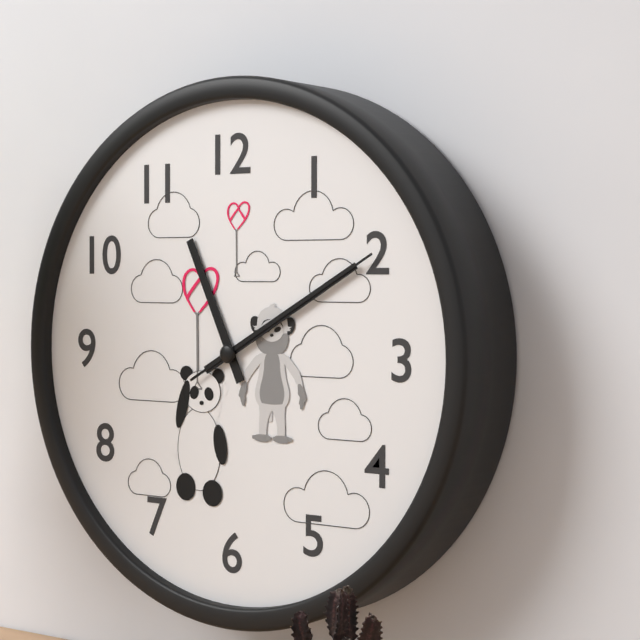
h=11 m=10 s=10
